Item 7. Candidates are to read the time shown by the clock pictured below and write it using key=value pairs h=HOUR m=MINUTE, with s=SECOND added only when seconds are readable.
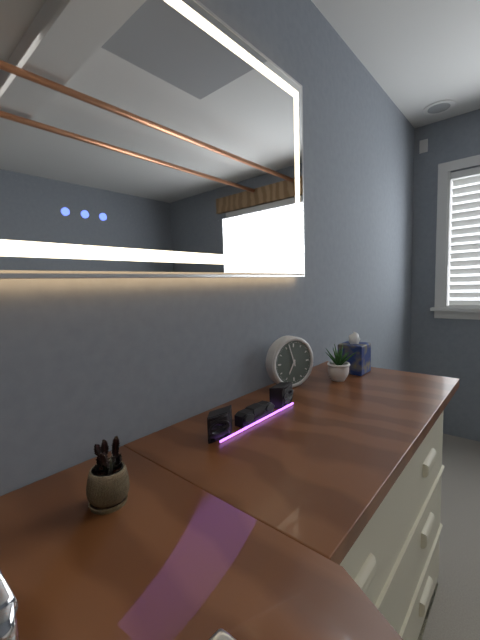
h=6 m=57
